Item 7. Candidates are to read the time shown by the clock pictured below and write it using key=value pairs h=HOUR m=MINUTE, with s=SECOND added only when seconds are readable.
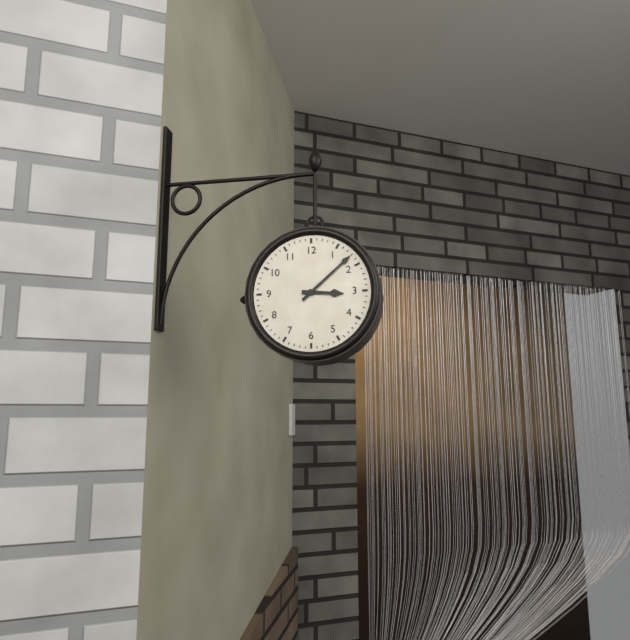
h=3 m=8
